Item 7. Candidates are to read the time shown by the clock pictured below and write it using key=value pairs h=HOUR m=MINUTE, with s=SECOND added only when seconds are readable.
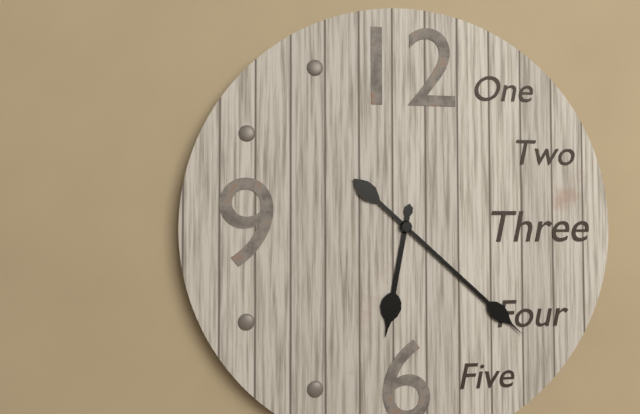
h=6 m=22
